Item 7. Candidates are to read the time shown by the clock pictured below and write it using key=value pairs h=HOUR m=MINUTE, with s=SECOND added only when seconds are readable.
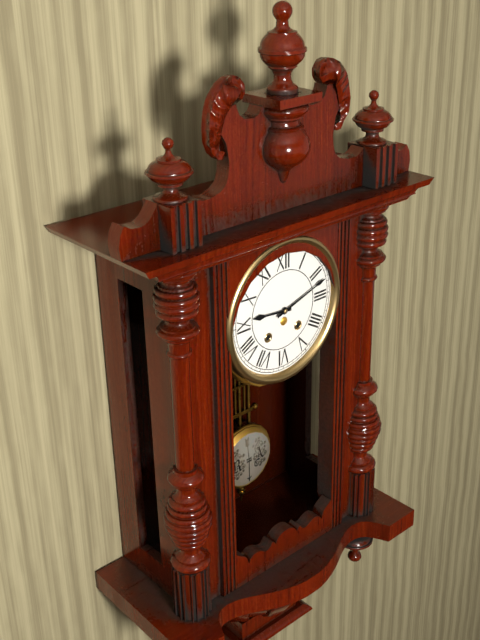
h=9 m=12
